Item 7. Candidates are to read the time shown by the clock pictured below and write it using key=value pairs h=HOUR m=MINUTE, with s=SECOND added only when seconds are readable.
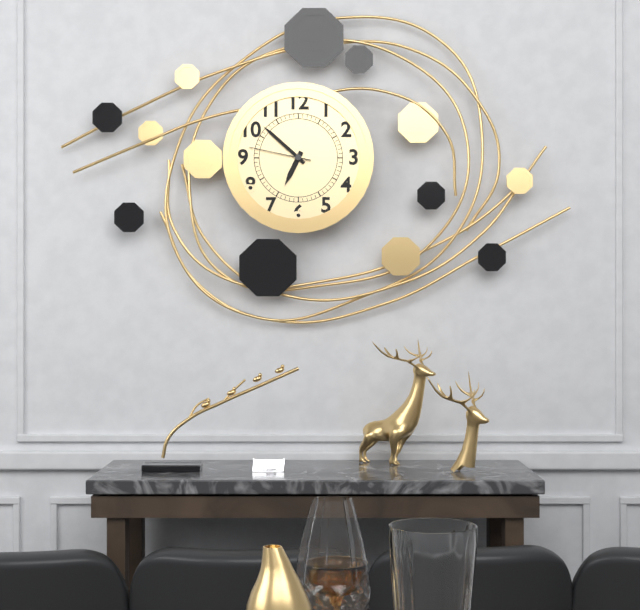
h=6 m=52 s=47
